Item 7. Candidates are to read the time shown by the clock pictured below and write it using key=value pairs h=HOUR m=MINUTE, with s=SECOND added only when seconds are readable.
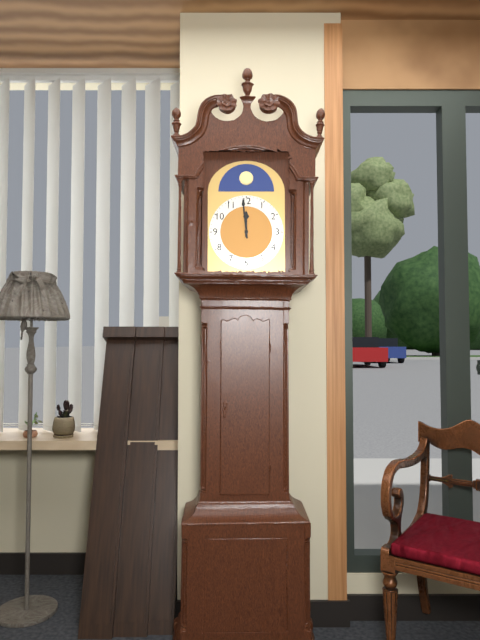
h=11 m=59
